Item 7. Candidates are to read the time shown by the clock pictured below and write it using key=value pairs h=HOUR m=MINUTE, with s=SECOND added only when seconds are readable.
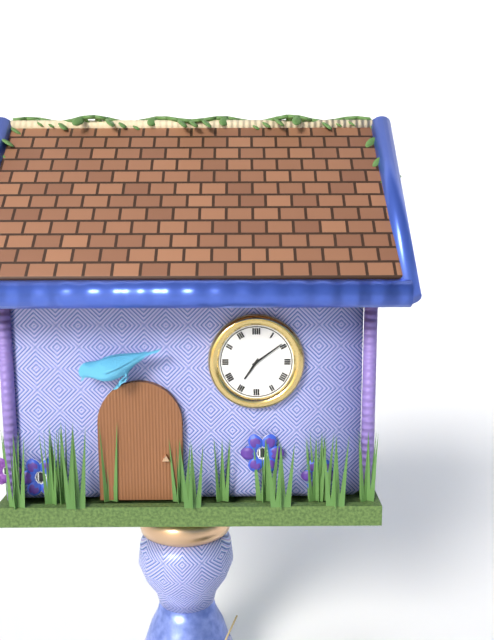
h=7 m=9
